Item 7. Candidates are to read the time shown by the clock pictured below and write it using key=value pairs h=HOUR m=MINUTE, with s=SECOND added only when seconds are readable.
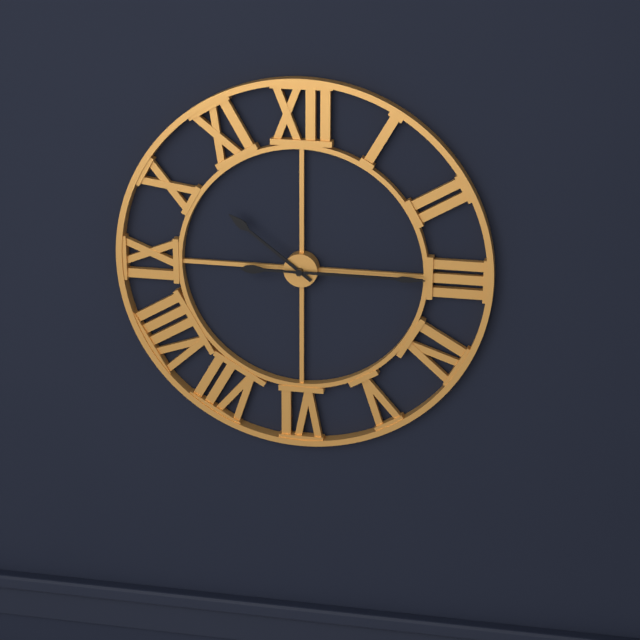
h=10 m=15
